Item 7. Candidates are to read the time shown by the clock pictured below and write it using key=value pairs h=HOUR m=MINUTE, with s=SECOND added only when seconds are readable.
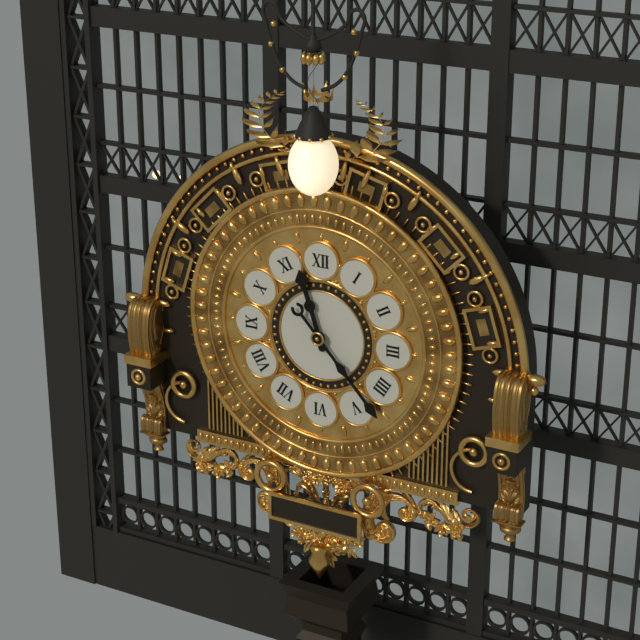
h=11 m=23
